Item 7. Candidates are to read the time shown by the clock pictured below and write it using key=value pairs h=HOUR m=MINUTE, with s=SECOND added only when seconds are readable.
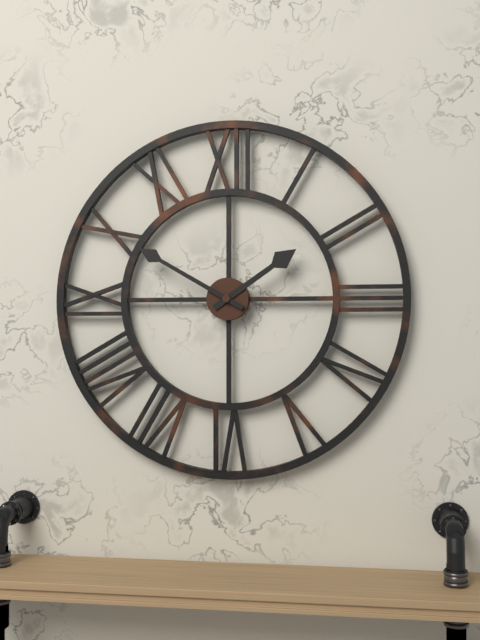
h=1 m=50
